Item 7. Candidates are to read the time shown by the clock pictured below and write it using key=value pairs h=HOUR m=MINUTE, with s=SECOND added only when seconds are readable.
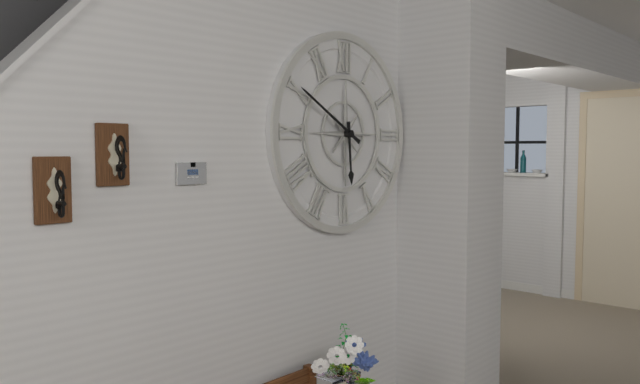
h=5 m=50
